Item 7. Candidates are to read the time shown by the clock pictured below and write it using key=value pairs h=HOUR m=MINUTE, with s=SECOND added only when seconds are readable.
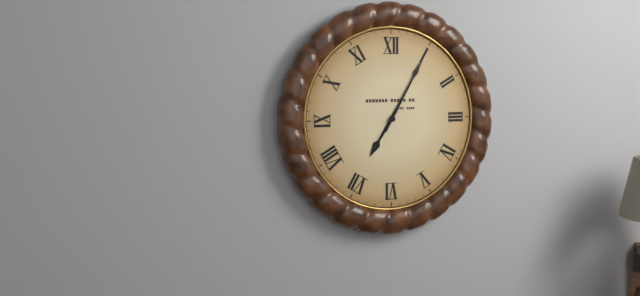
h=7 m=5
